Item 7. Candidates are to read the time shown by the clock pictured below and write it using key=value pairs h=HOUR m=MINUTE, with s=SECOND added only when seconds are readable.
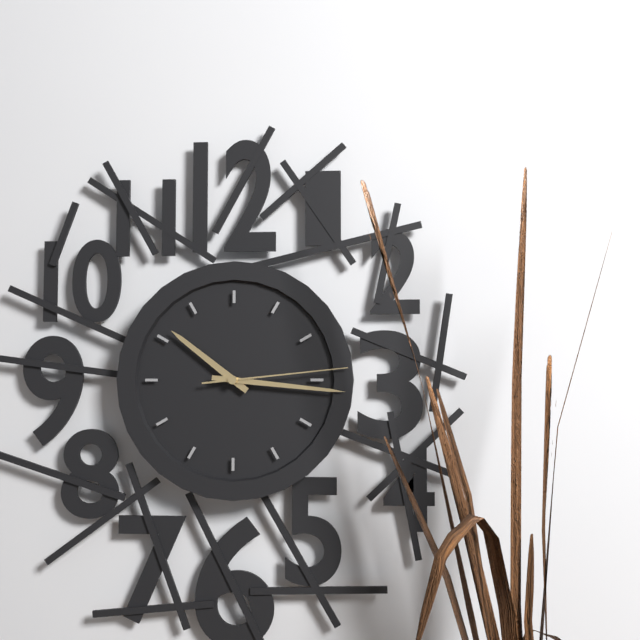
h=10 m=16 s=14
